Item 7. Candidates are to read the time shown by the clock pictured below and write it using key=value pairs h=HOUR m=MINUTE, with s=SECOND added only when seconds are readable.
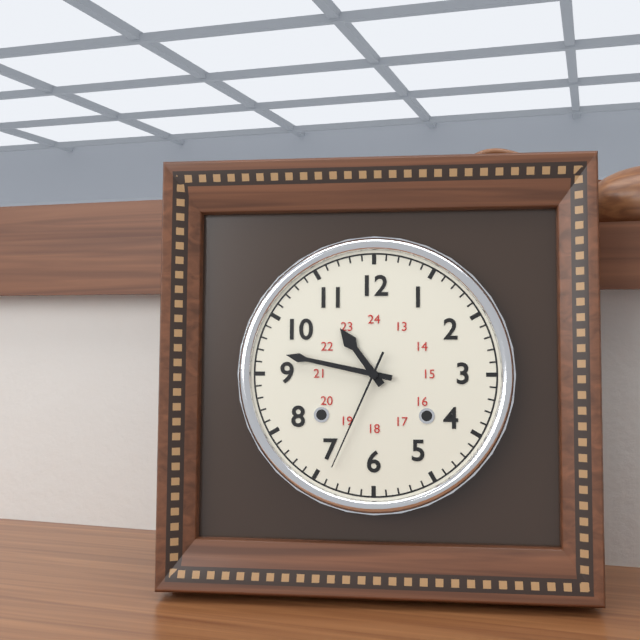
h=10 m=47 s=34
